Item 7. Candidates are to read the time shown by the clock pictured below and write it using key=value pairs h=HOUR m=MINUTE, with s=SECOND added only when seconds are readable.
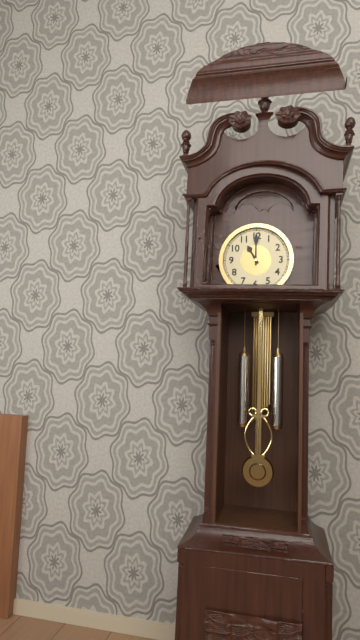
h=11 m=0
